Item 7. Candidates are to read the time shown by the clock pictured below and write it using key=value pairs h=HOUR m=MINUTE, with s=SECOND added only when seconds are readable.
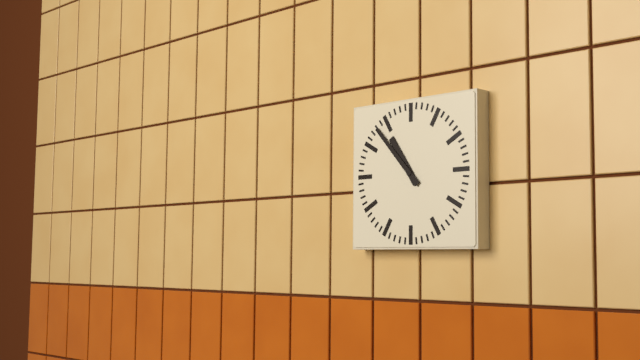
h=10 m=53
